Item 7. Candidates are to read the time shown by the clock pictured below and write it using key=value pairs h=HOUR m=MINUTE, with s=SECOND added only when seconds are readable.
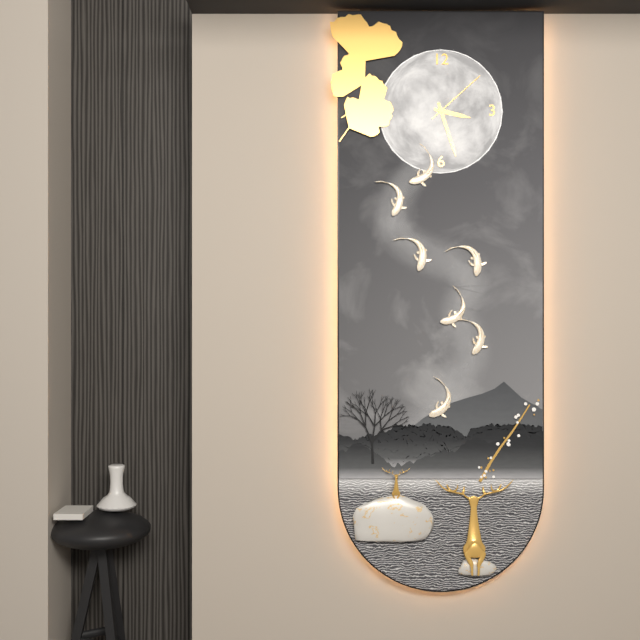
h=3 m=27 s=8
